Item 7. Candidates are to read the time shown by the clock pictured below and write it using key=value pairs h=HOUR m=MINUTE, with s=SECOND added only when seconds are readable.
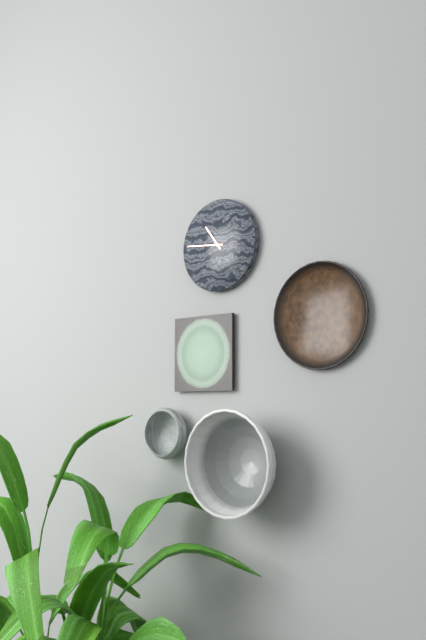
h=10 m=46
